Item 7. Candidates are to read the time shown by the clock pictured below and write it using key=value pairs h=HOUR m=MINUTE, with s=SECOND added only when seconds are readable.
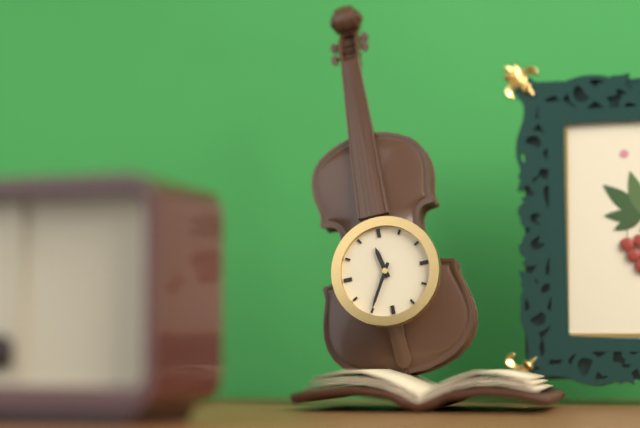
h=11 m=35
